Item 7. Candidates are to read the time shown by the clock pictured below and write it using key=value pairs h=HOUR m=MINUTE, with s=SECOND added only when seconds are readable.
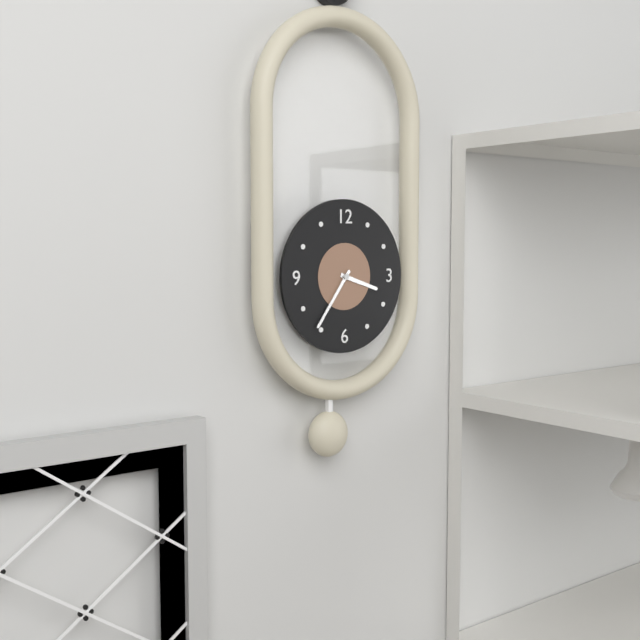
h=3 m=36
